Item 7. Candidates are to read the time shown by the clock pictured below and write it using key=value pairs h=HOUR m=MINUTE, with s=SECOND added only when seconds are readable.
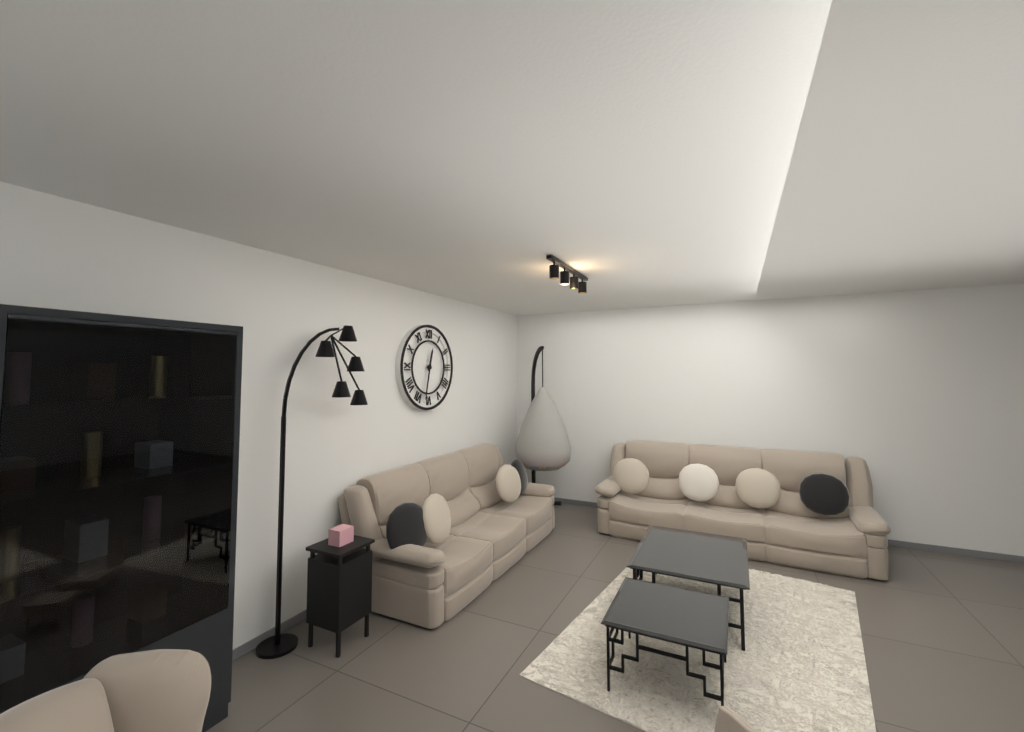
h=12 m=32
